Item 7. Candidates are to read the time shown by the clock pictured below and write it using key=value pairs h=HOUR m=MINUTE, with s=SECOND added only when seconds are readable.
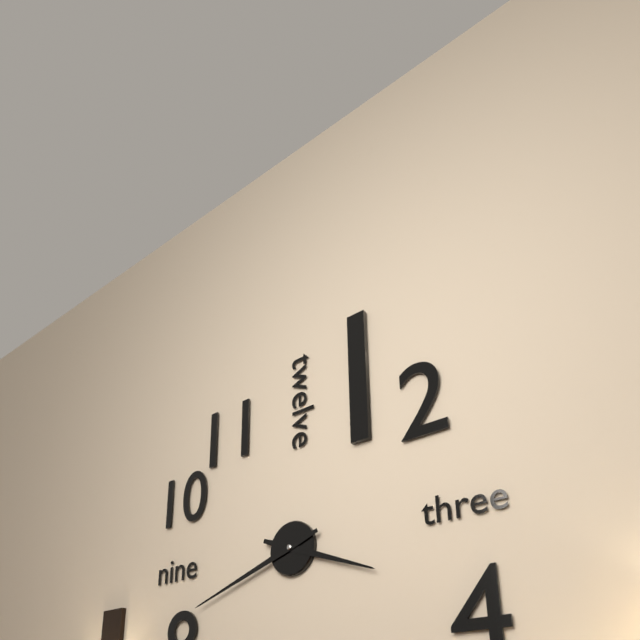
h=3 m=42
